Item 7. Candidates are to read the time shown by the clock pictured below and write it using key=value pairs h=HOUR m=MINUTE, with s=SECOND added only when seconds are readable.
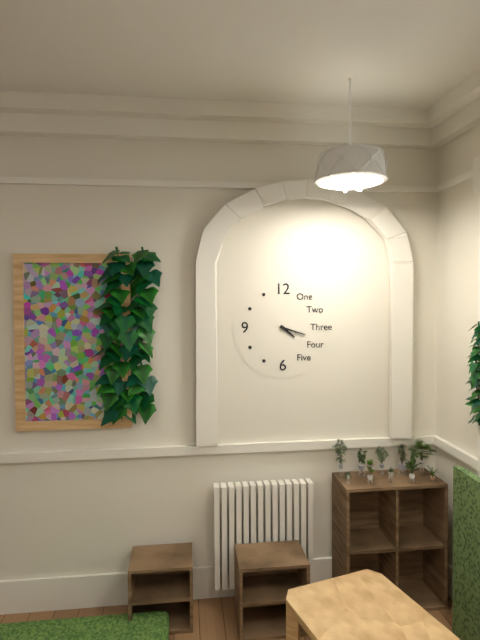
h=4 m=18
